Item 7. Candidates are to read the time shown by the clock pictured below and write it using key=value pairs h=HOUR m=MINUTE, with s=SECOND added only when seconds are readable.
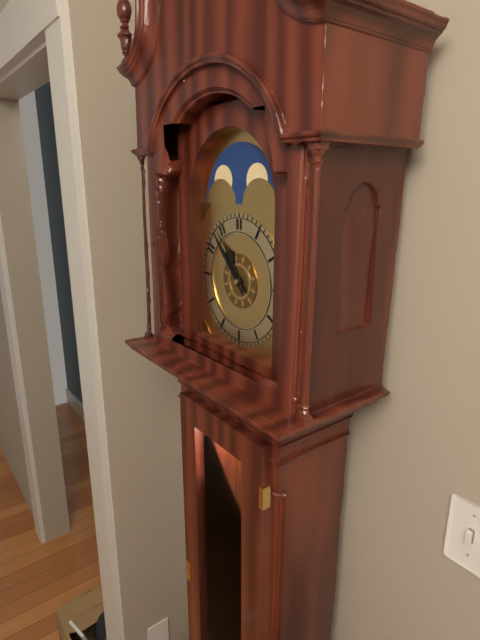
h=10 m=53
